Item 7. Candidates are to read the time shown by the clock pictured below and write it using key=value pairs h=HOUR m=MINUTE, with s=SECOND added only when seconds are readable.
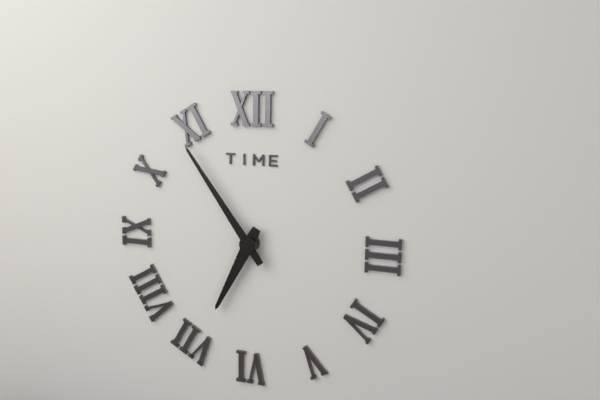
h=6 m=54
